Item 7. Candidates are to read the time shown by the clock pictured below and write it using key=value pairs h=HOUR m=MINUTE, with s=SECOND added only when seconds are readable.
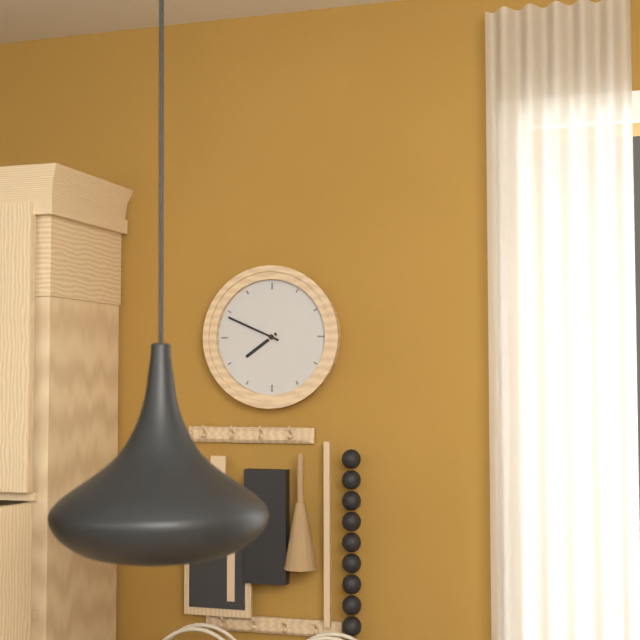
h=7 m=49
